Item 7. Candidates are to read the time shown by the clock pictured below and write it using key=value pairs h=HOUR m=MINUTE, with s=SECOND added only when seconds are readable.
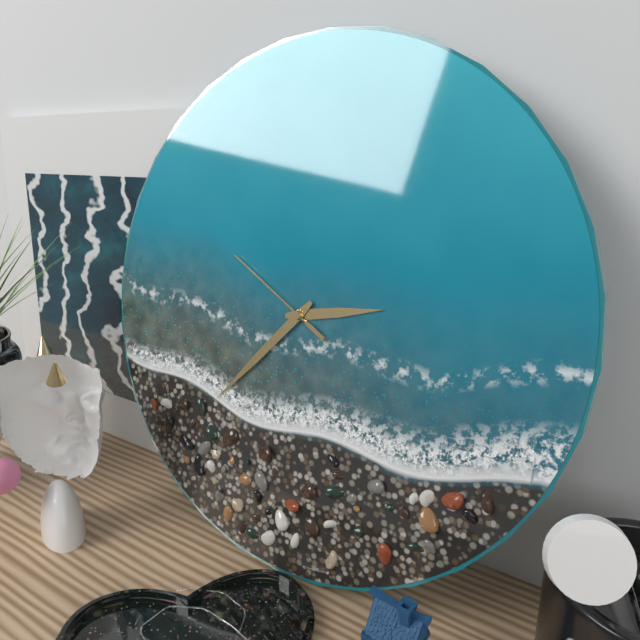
h=2 m=37 s=50
